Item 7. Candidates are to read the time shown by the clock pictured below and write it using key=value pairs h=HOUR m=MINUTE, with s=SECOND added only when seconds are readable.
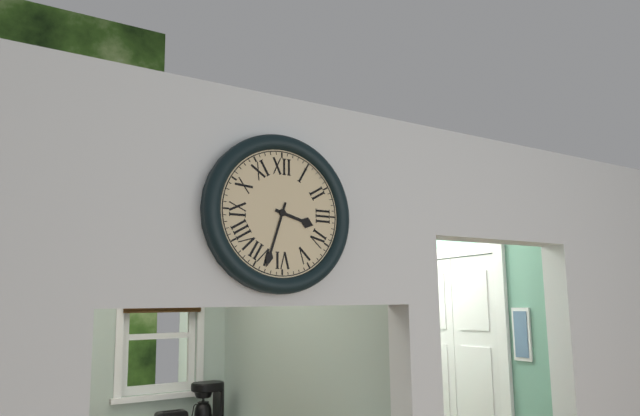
h=3 m=33
